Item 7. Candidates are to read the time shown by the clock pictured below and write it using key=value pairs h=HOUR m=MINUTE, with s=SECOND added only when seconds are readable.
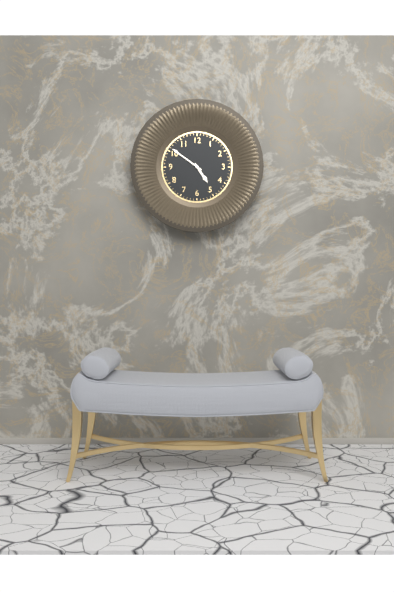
h=4 m=51
